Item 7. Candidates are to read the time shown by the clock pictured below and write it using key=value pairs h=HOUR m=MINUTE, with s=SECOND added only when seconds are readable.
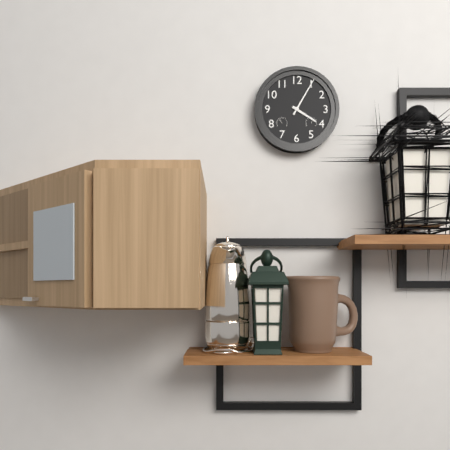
h=4 m=5
